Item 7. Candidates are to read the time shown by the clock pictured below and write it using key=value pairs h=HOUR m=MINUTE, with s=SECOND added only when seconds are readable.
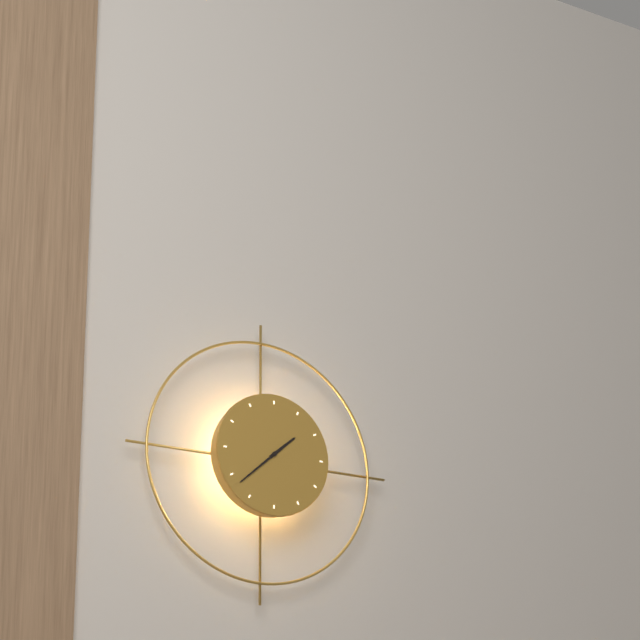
h=1 m=38
